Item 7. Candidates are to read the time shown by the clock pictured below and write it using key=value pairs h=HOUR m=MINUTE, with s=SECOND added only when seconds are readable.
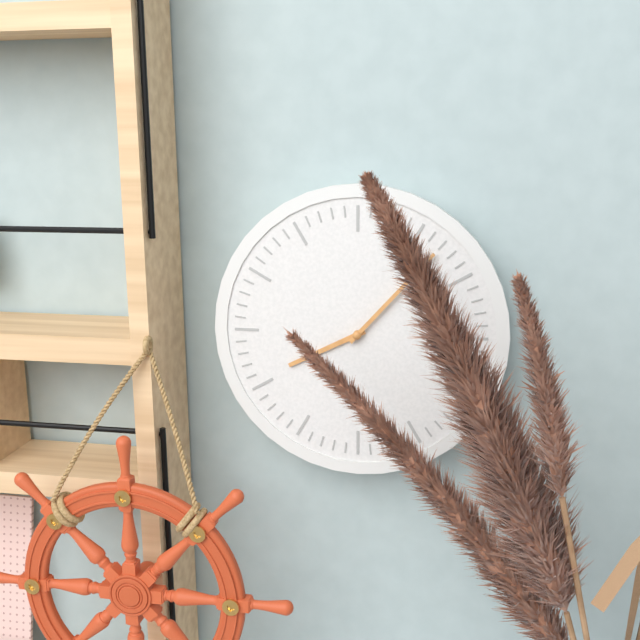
h=8 m=7
